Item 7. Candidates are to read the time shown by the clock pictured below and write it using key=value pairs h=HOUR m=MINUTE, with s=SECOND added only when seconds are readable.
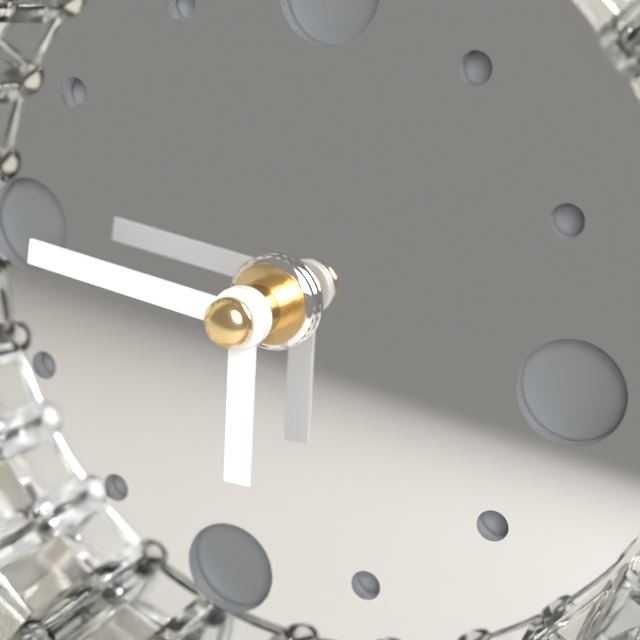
h=5 m=45
